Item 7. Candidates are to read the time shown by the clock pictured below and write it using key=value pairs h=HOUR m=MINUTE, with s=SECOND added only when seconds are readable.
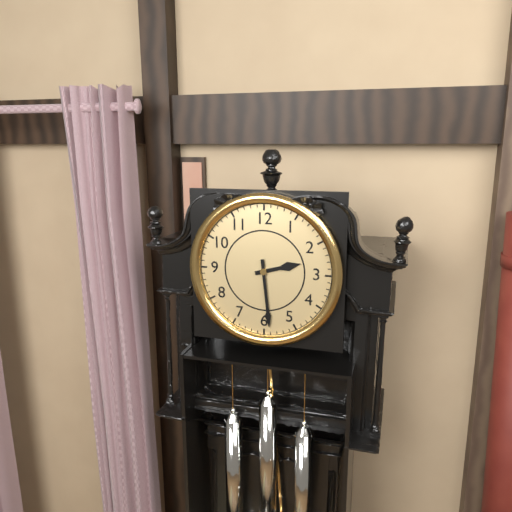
h=2 m=29
